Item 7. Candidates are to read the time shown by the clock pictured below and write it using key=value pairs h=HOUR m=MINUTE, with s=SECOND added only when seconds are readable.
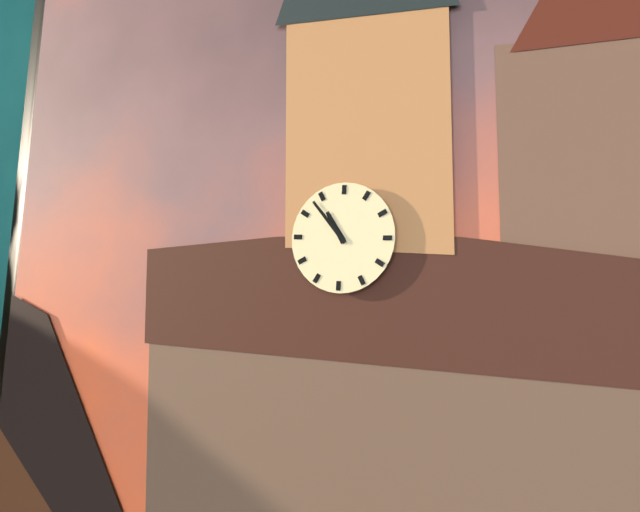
h=10 m=53
